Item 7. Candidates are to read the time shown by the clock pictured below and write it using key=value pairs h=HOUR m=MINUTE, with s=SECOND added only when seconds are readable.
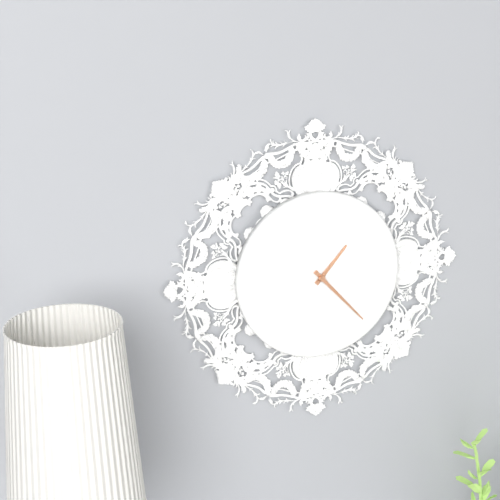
h=1 m=23
